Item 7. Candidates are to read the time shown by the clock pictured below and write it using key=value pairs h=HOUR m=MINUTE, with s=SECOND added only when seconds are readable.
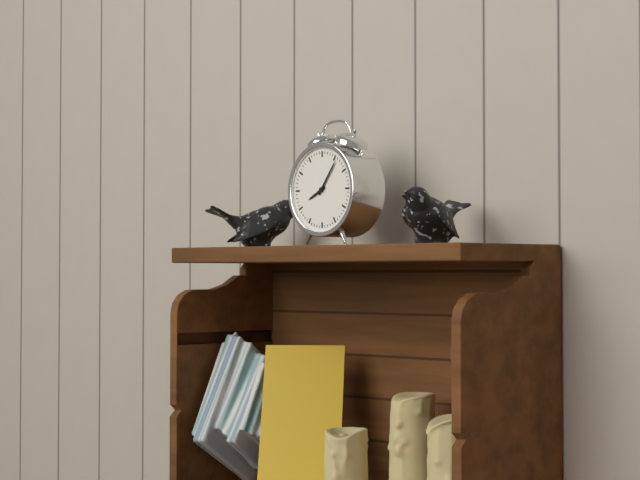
h=8 m=6
